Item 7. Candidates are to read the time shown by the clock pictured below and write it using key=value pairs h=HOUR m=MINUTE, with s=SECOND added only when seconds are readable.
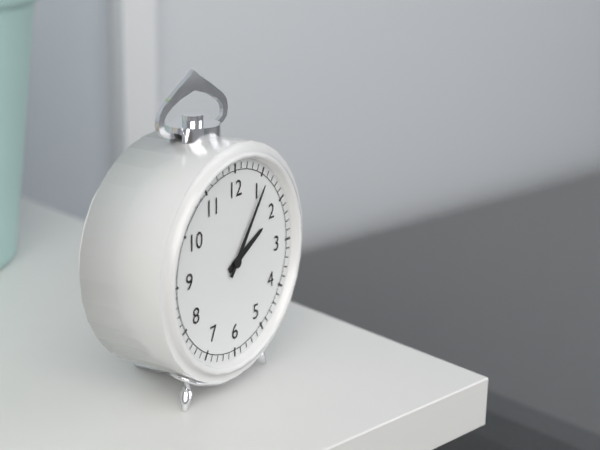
h=2 m=6
